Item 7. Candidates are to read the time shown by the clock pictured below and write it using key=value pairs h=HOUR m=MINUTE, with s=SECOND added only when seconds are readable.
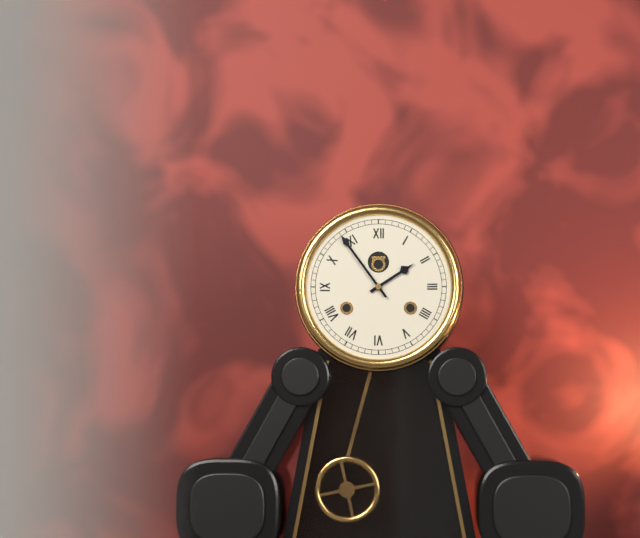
h=1 m=54
